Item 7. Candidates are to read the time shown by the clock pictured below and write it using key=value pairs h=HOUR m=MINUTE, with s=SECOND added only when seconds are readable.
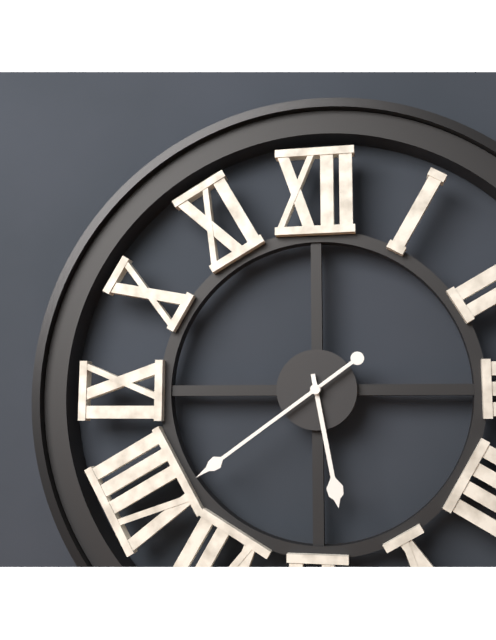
h=5 m=39
